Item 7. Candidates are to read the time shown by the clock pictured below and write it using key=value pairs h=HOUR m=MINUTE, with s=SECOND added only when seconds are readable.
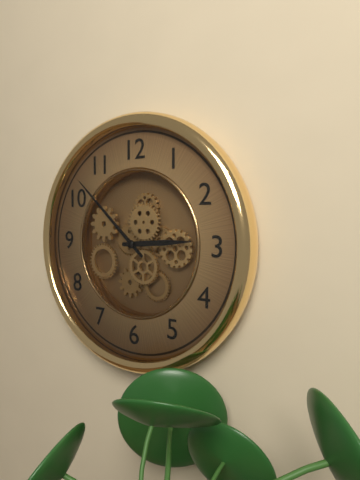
h=2 m=52
